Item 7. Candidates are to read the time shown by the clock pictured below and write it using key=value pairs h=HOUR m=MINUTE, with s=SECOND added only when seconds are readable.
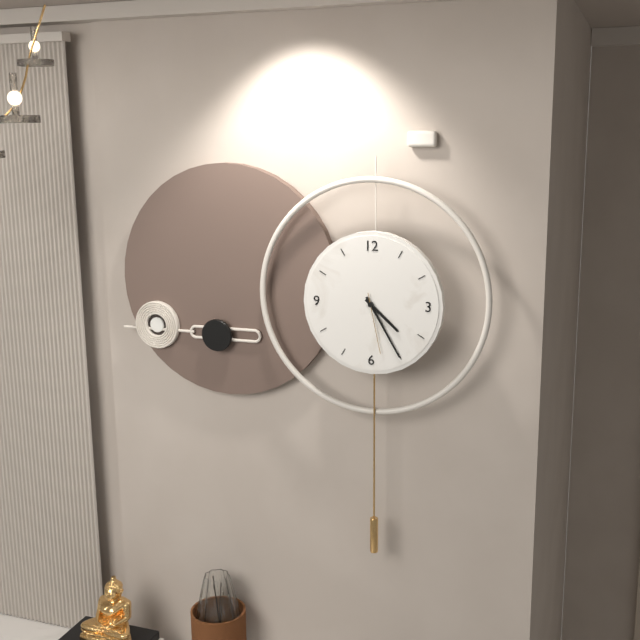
h=4 m=25 s=28
